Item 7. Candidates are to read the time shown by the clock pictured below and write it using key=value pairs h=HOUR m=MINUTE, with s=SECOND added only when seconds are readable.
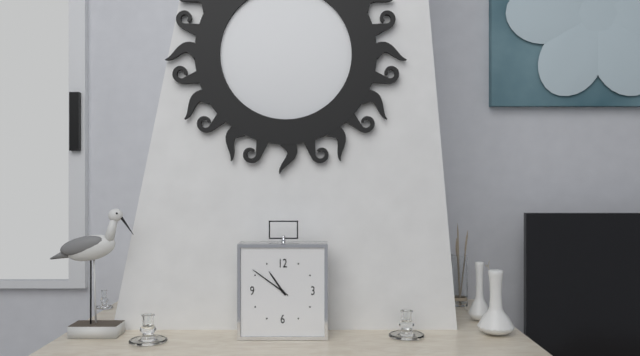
h=10 m=51
